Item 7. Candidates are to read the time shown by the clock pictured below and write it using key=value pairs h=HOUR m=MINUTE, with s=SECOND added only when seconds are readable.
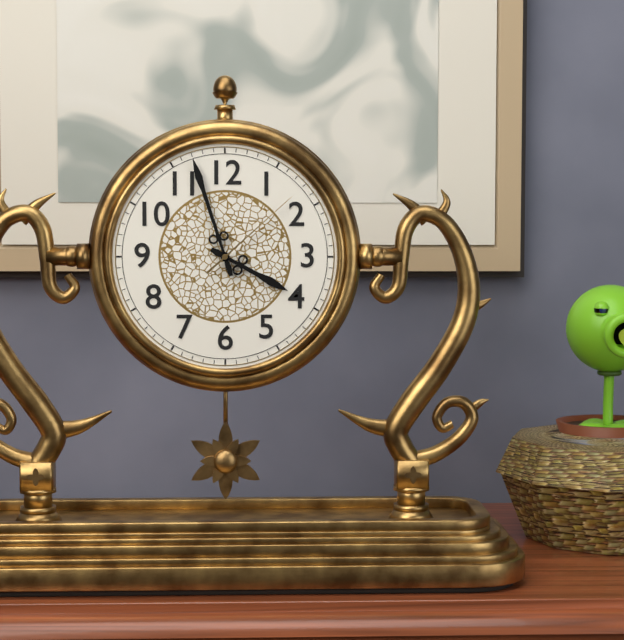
h=3 m=57 s=8
